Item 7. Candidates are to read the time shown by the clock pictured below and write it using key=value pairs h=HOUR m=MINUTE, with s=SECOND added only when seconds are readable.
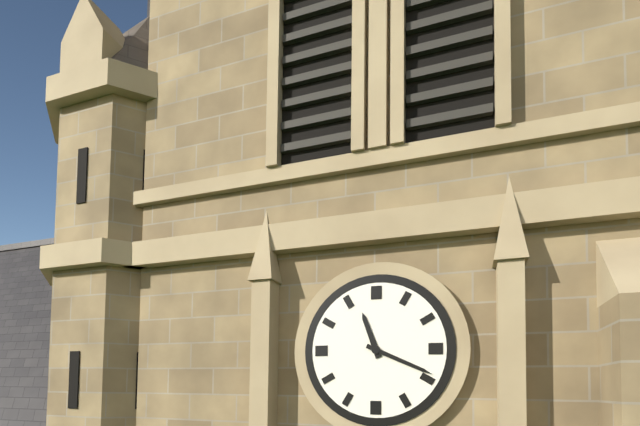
h=11 m=19
